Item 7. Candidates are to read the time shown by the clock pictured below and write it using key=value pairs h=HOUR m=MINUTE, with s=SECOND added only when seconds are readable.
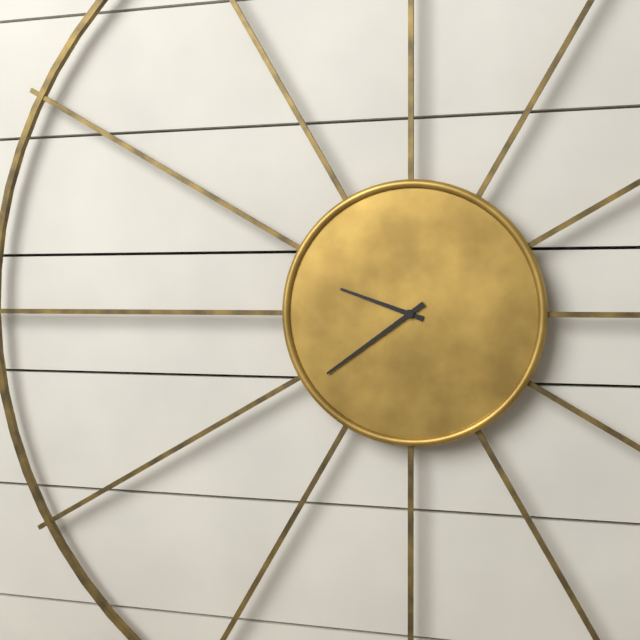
h=9 m=39
